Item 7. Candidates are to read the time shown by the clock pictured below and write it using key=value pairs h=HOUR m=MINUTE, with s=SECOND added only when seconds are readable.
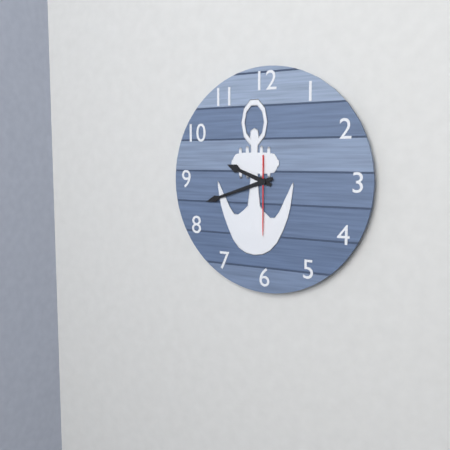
h=9 m=42 s=30
